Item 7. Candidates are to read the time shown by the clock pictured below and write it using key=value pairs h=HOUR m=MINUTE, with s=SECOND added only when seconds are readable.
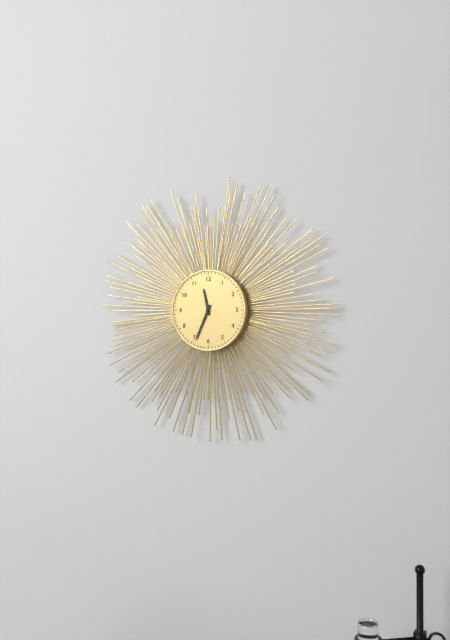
h=11 m=34
